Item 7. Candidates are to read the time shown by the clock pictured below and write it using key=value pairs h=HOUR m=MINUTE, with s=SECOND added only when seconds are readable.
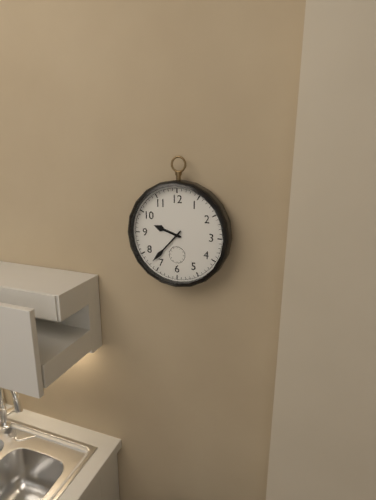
h=9 m=37
